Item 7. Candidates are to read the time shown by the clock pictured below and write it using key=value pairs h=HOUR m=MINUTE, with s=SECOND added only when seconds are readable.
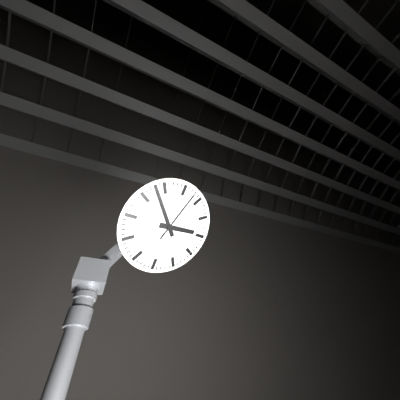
h=2 m=53 s=3
